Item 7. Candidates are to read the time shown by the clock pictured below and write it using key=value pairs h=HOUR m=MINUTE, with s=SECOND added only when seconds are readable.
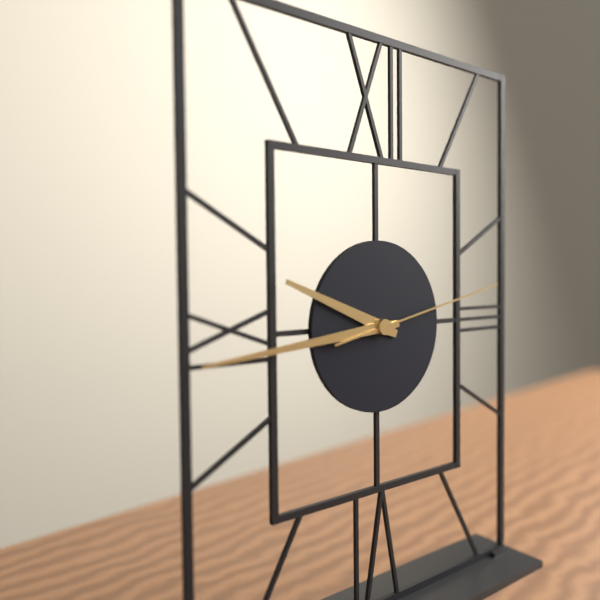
h=9 m=44 s=13
